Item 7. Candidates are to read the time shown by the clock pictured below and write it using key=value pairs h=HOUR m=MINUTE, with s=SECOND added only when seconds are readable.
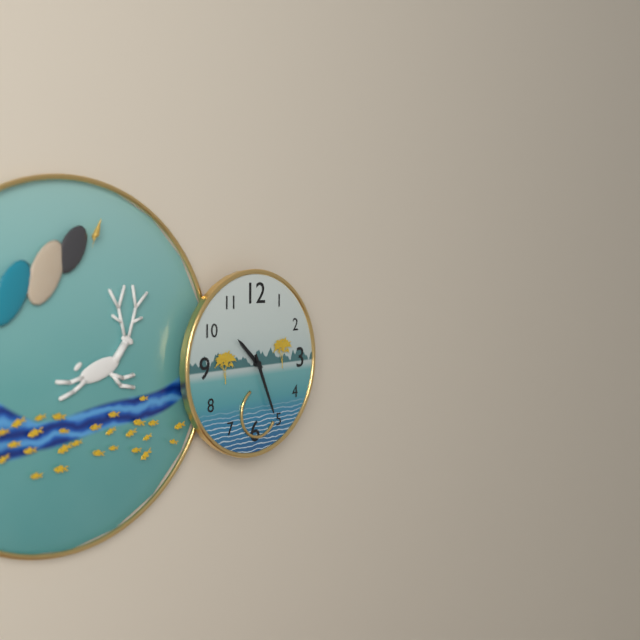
h=10 m=26
